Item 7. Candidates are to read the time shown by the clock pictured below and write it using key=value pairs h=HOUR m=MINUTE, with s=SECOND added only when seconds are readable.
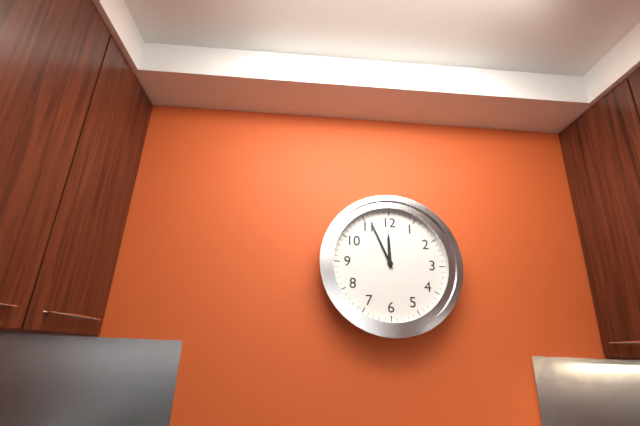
h=11 m=56
